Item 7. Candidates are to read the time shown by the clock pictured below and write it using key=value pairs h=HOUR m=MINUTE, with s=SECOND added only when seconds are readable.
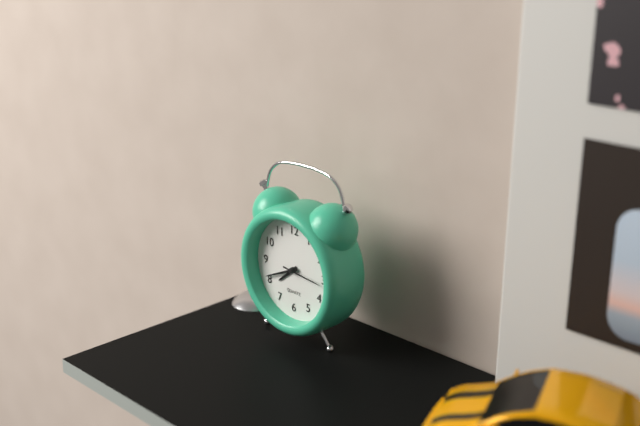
h=7 m=41
